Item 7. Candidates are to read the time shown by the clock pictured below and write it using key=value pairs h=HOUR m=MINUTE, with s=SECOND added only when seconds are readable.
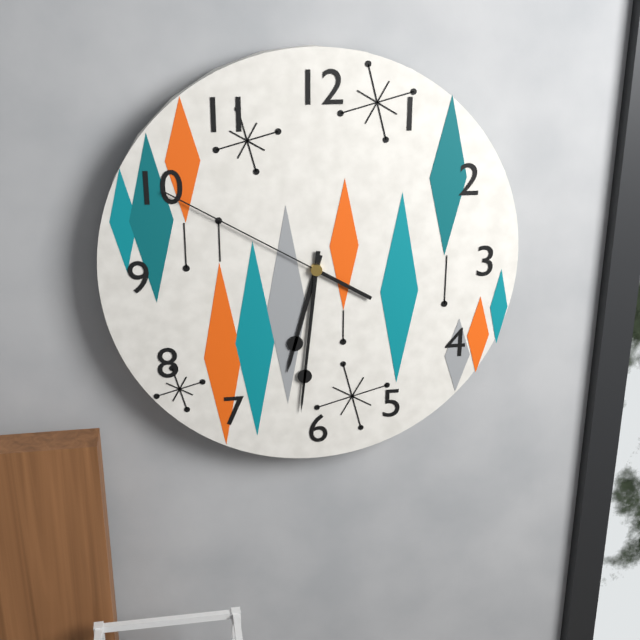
h=6 m=31 s=50
